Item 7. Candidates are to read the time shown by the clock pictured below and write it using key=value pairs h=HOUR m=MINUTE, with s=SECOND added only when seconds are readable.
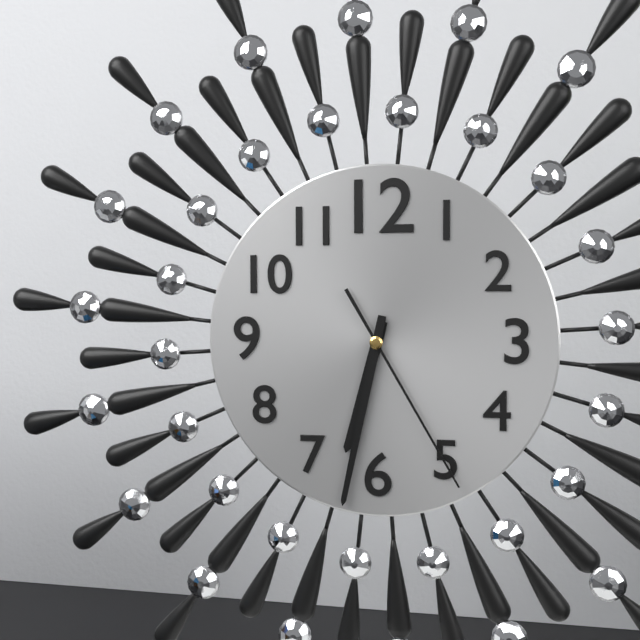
h=6 m=32 s=25
